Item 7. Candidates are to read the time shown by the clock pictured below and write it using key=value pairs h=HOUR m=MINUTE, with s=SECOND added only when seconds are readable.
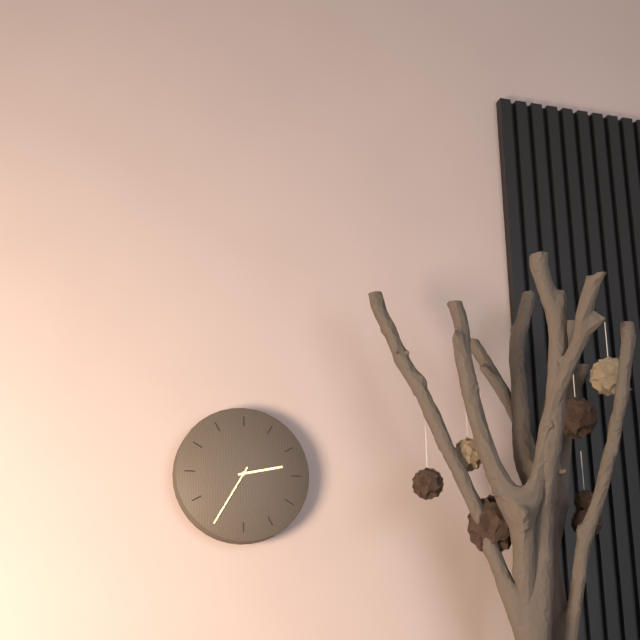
h=2 m=35
